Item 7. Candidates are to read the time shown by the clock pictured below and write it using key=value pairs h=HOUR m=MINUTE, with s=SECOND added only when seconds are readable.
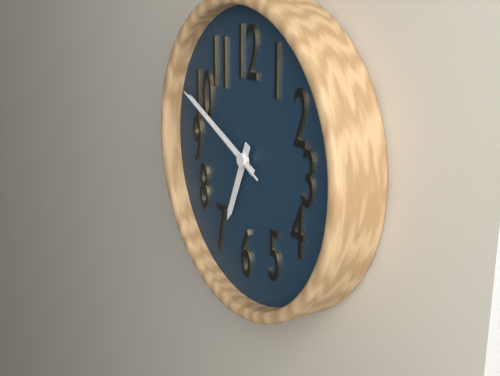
h=6 m=49 s=49
